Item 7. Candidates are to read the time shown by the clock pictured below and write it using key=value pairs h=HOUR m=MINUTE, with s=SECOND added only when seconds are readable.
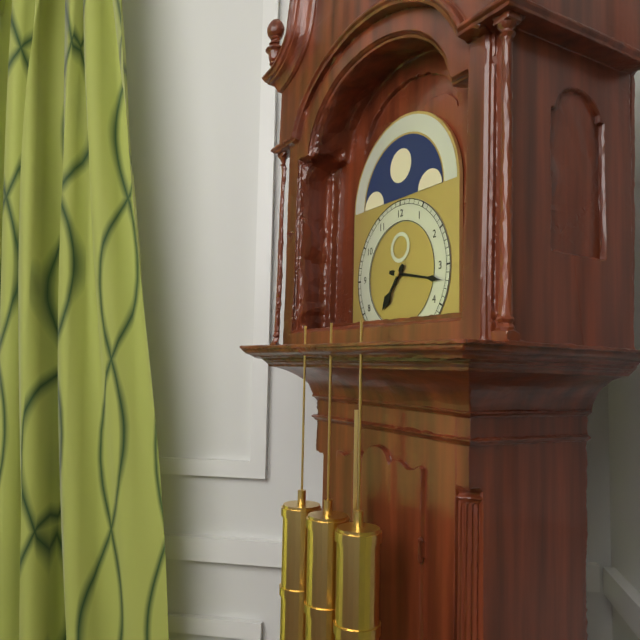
h=7 m=17
